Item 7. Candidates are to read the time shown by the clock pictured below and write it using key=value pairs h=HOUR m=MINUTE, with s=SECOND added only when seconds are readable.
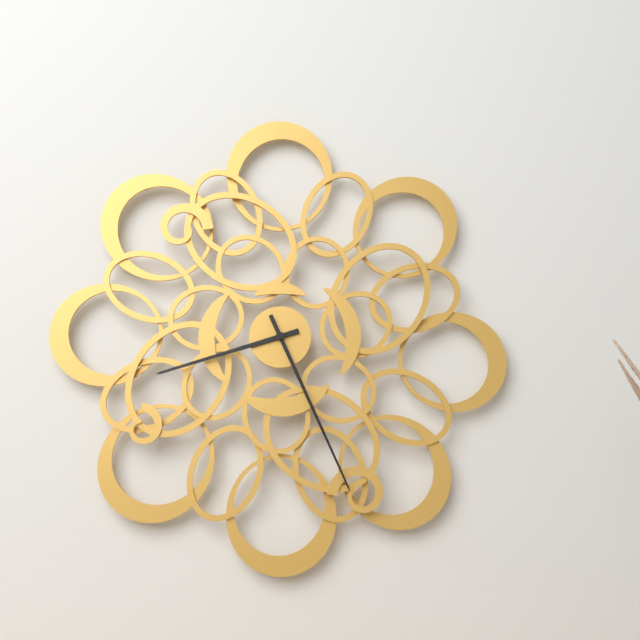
h=8 m=26
